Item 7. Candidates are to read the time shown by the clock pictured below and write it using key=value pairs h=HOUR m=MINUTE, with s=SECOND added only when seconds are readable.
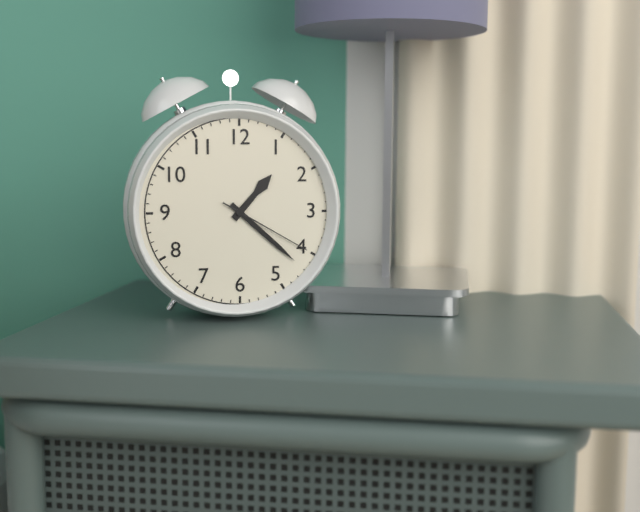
h=1 m=22 s=20
